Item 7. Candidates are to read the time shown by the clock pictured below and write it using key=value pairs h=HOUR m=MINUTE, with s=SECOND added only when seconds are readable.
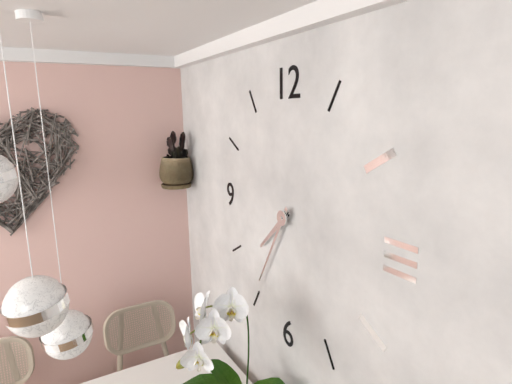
h=7 m=35
